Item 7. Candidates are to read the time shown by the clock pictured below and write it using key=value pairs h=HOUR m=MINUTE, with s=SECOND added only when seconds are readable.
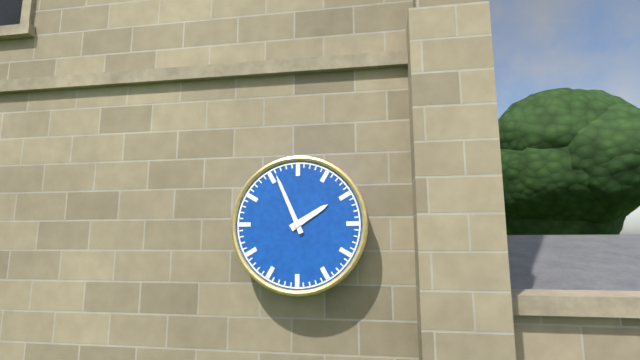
h=1 m=56
